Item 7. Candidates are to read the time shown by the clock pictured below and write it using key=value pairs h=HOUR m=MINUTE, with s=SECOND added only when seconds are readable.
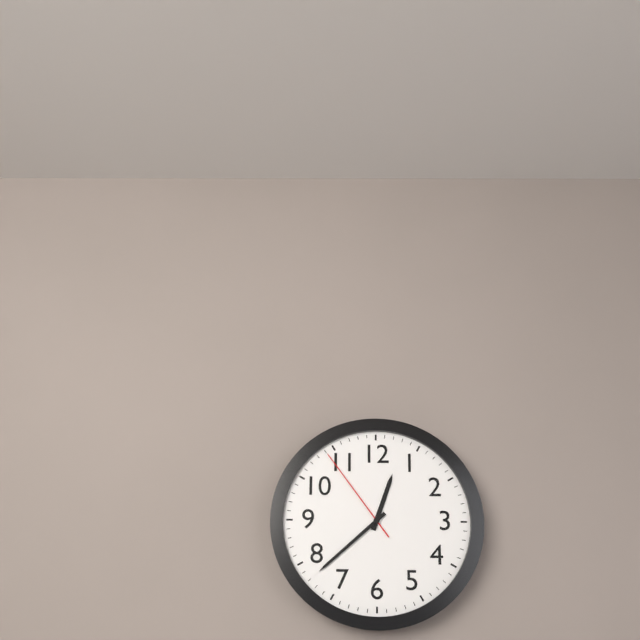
h=12 m=38 s=54
